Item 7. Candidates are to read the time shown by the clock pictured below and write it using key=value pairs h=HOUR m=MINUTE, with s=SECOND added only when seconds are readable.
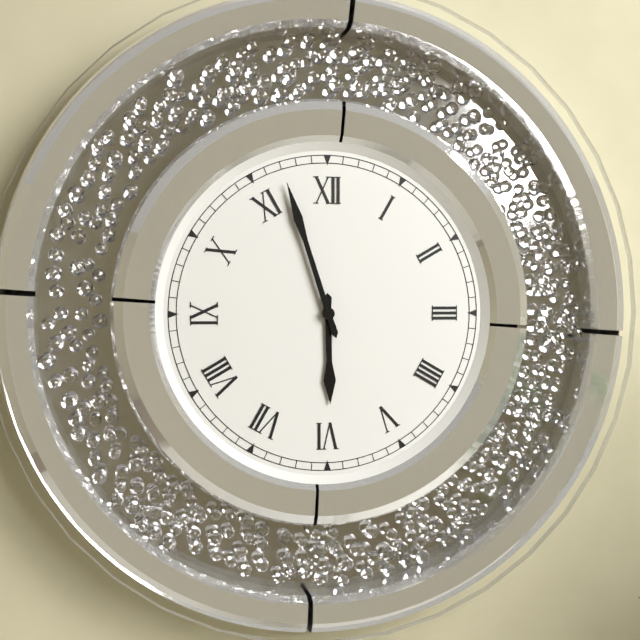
h=5 m=57
